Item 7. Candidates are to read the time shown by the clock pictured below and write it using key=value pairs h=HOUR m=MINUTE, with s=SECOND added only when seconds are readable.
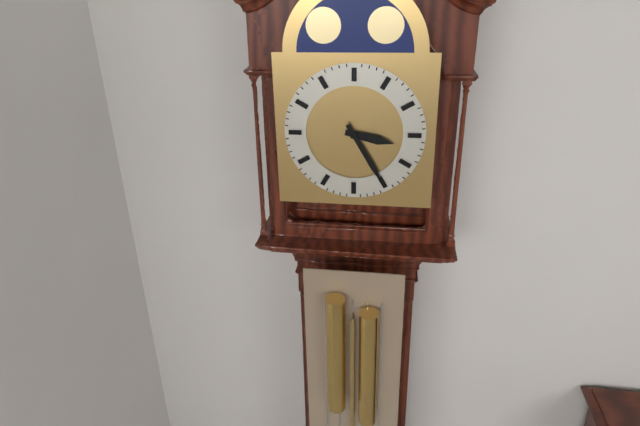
h=3 m=25
